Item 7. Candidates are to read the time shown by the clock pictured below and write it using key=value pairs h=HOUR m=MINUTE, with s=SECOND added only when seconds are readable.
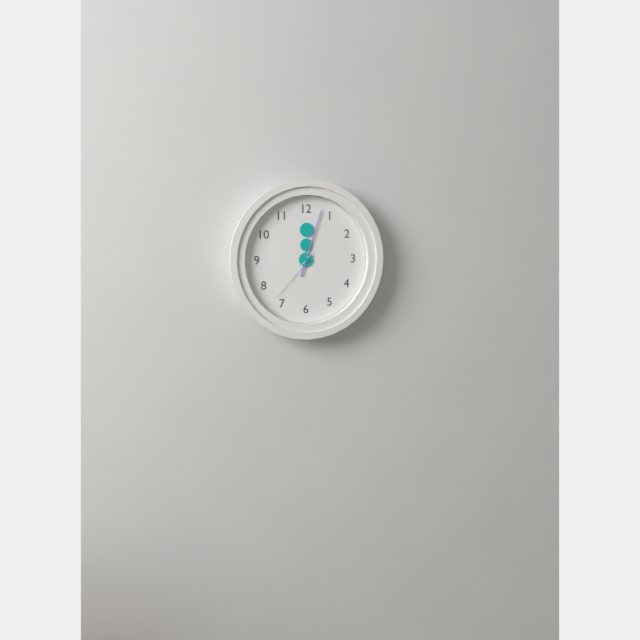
h=12 m=3 s=37
